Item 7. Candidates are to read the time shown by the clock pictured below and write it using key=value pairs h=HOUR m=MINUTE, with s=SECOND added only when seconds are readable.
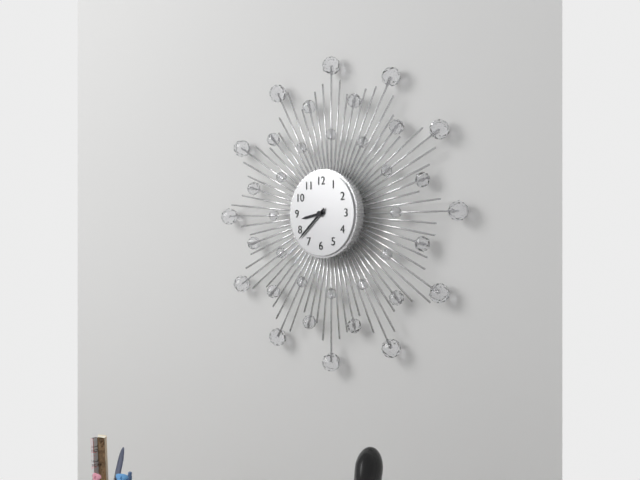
h=8 m=38
